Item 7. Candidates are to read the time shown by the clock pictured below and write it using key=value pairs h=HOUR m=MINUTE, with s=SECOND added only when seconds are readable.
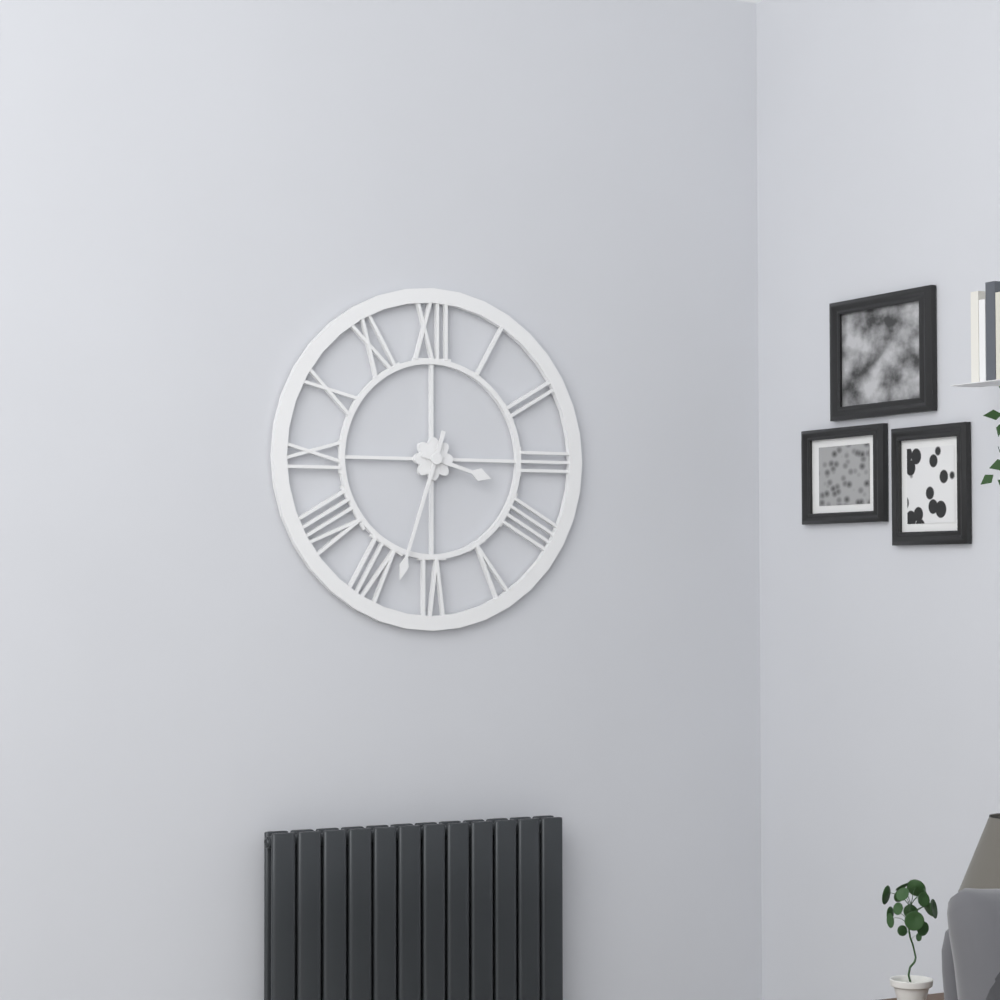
h=3 m=33
